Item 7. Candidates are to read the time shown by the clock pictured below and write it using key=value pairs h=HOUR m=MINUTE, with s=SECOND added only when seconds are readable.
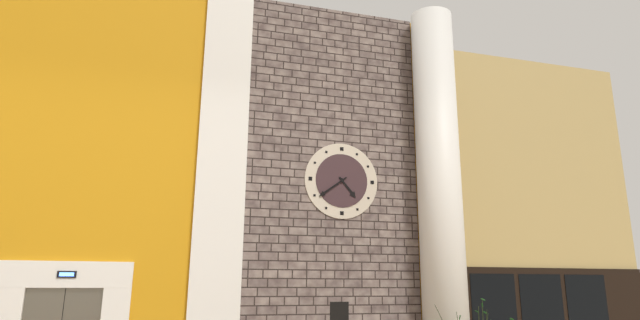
h=4 m=39
